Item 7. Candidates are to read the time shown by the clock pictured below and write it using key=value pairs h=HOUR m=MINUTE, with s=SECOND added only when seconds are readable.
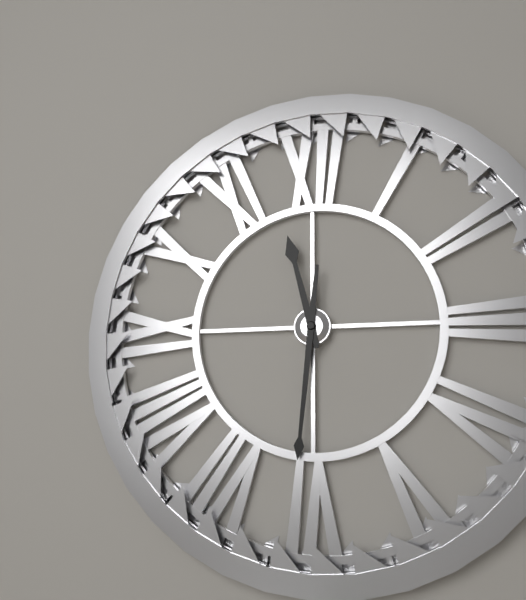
h=11 m=31
